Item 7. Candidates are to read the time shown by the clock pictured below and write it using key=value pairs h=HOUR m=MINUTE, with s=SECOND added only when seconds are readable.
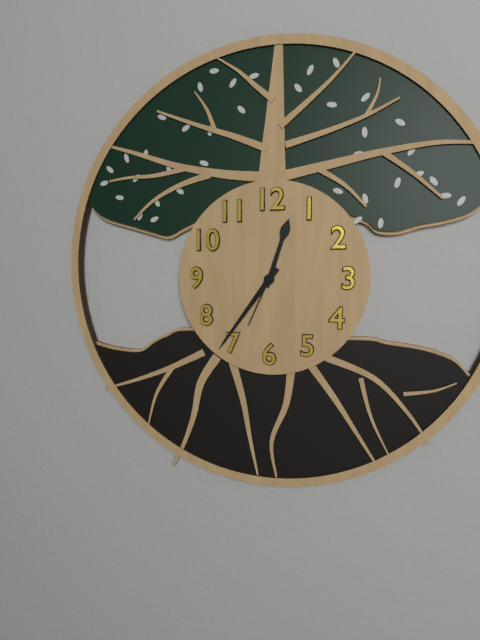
h=12 m=36 s=34
